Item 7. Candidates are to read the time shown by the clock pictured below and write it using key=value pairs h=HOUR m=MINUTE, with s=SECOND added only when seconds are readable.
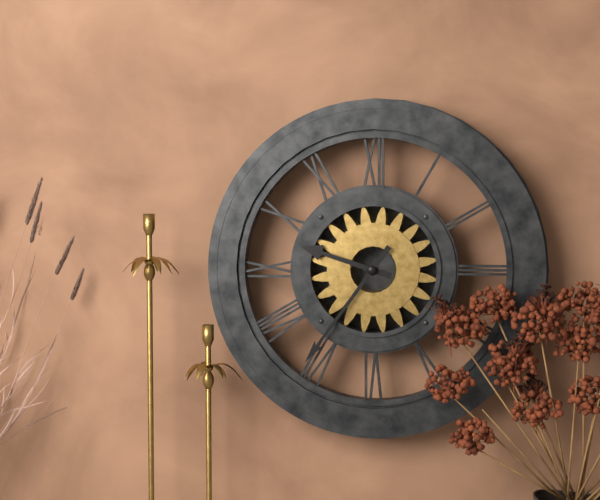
h=9 m=36
